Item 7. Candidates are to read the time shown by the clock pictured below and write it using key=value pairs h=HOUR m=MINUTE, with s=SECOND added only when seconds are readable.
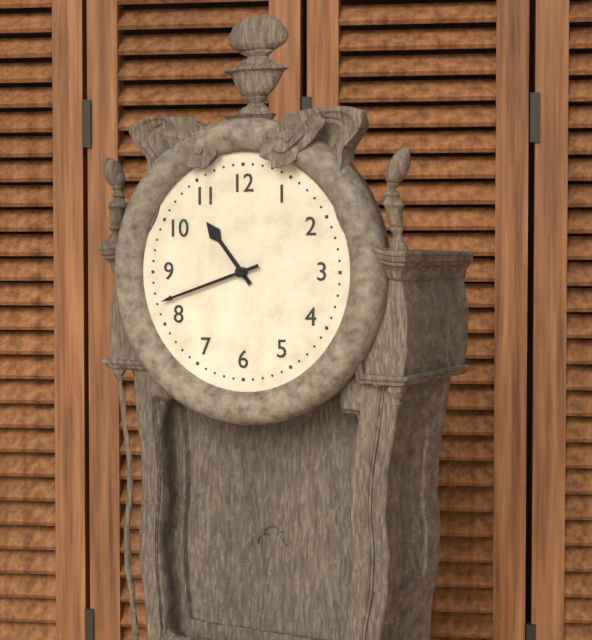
h=10 m=42
